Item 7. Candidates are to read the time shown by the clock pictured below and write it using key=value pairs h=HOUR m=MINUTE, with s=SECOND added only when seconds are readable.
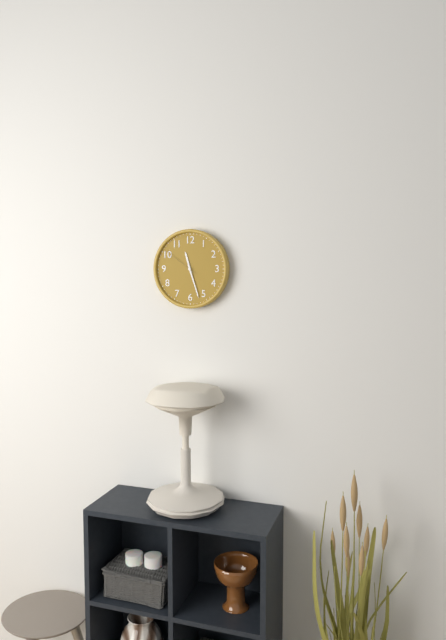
h=11 m=27
